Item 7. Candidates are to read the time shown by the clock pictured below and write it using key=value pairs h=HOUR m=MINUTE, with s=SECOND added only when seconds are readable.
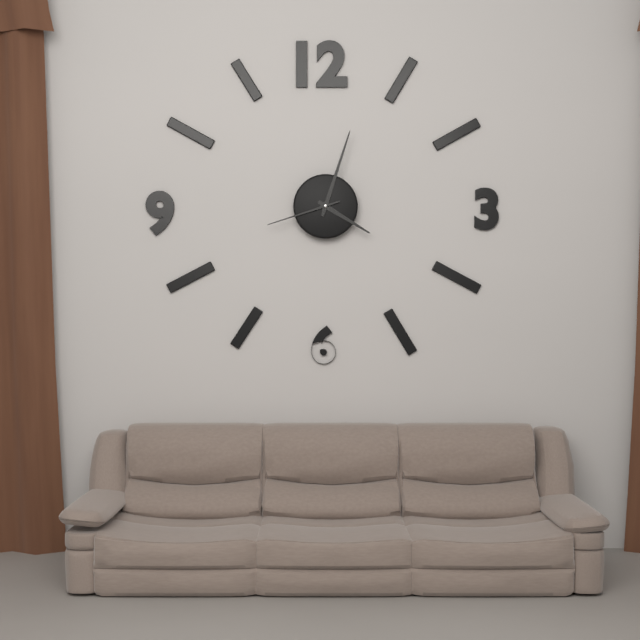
h=4 m=3 s=42
